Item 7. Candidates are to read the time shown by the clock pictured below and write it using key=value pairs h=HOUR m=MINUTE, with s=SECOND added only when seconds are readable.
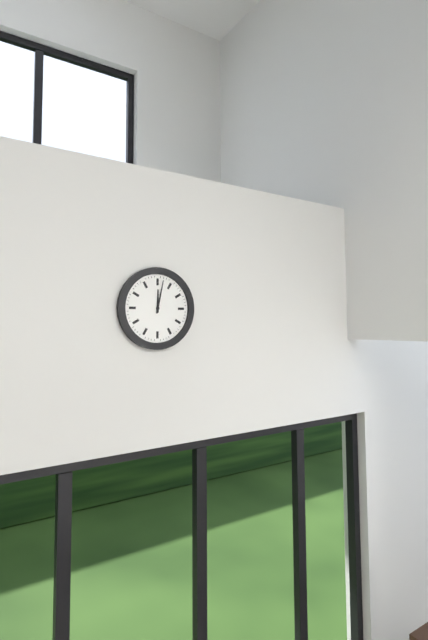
h=12 m=2
